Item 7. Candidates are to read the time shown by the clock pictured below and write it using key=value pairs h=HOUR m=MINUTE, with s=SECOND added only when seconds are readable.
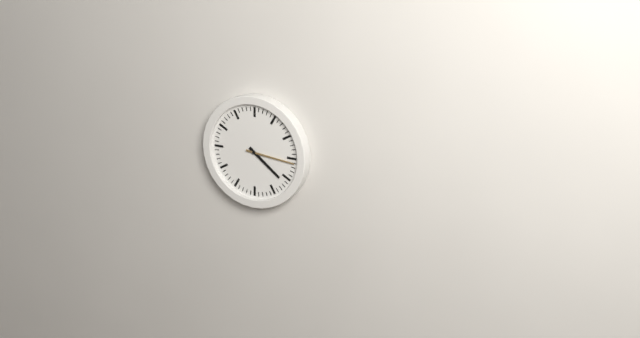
h=4 m=16
